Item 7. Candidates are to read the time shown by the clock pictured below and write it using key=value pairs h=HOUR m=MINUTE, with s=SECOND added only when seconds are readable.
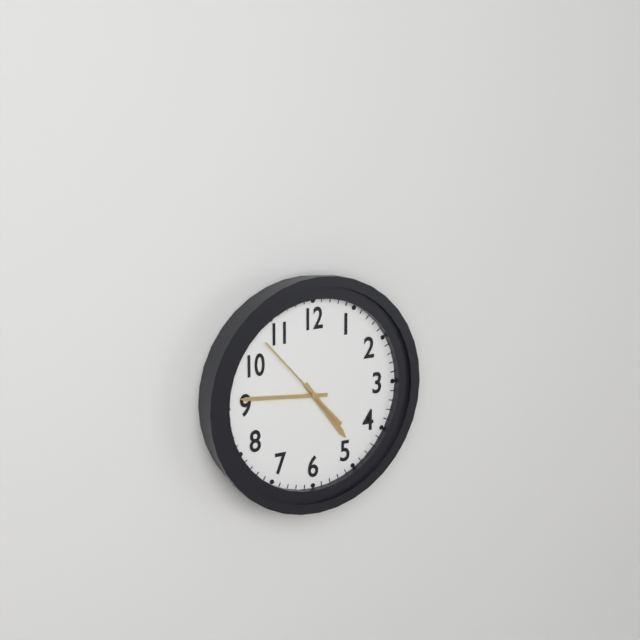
h=4 m=46 s=53
